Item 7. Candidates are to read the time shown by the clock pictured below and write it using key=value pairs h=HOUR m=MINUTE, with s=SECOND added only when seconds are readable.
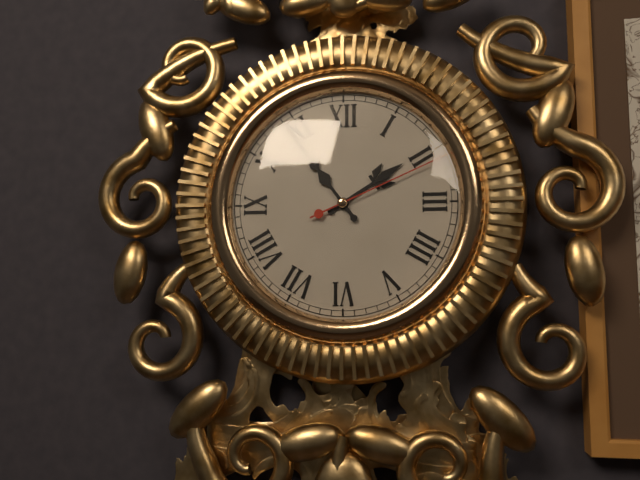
h=1 m=54 s=11
